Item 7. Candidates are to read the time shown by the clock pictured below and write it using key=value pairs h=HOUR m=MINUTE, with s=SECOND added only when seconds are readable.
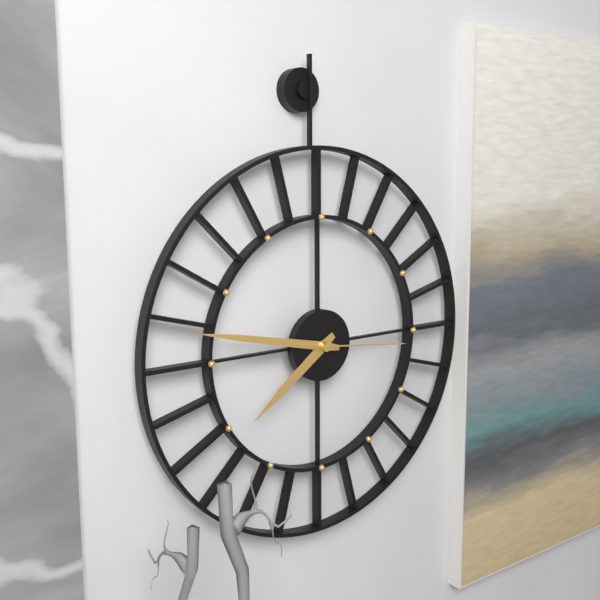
h=7 m=47 s=16
